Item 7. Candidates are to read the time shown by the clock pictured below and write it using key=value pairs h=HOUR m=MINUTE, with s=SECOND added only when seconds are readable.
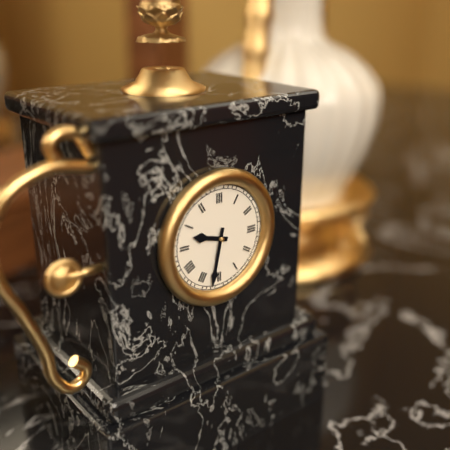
h=9 m=32
